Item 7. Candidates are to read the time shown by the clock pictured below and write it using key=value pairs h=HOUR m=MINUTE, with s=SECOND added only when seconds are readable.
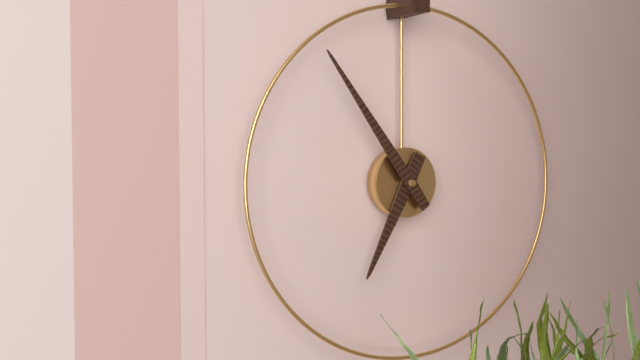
h=6 m=54
